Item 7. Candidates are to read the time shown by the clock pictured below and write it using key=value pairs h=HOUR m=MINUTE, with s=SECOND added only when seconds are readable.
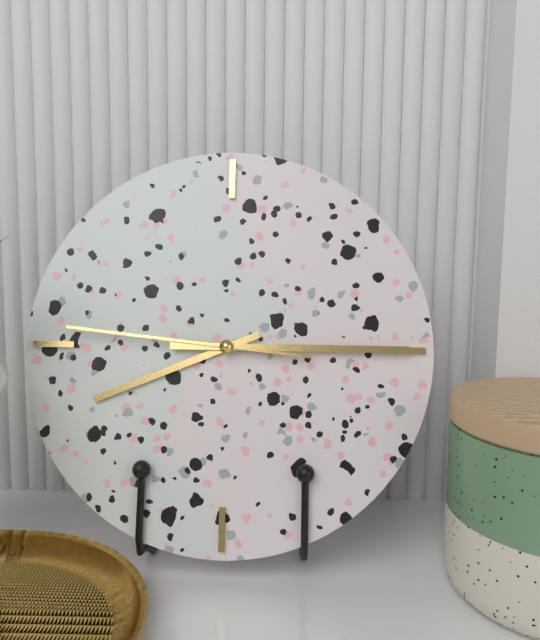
h=8 m=15 s=46
